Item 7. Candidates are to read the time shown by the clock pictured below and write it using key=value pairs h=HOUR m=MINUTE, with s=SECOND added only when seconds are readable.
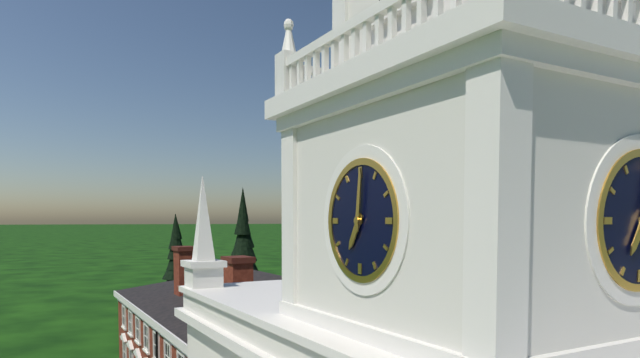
h=7 m=1
